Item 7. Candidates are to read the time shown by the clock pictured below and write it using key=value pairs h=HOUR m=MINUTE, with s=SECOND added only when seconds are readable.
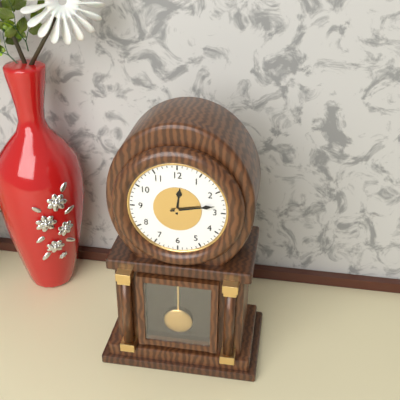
h=12 m=13
